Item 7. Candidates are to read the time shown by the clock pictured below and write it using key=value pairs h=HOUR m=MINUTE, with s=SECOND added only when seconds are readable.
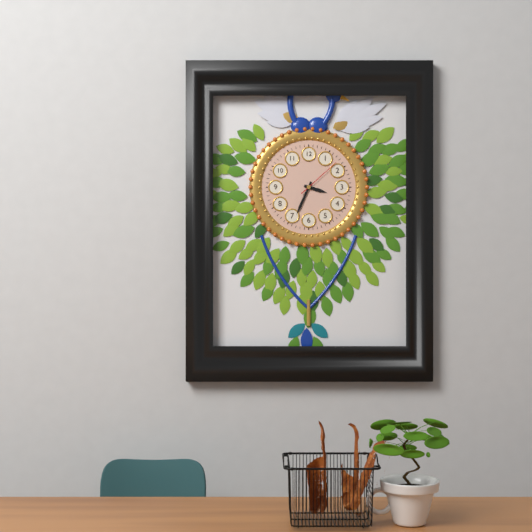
h=3 m=34
